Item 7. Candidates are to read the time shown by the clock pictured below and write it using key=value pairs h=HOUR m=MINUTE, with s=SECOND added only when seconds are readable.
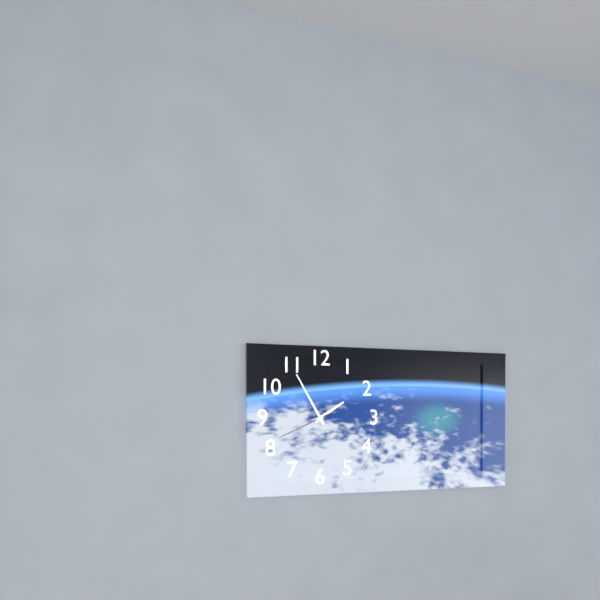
h=1 m=55 s=41
